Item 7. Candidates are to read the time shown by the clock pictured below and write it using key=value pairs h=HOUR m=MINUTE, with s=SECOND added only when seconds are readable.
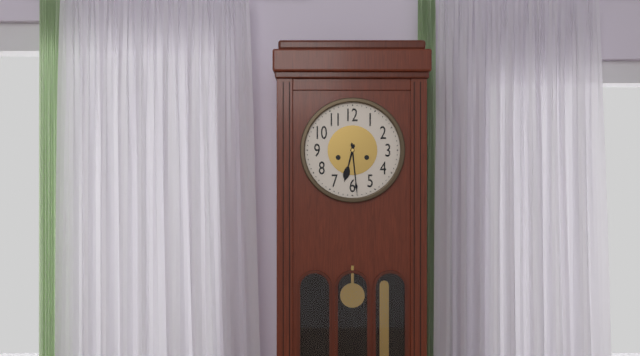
h=6 m=29
